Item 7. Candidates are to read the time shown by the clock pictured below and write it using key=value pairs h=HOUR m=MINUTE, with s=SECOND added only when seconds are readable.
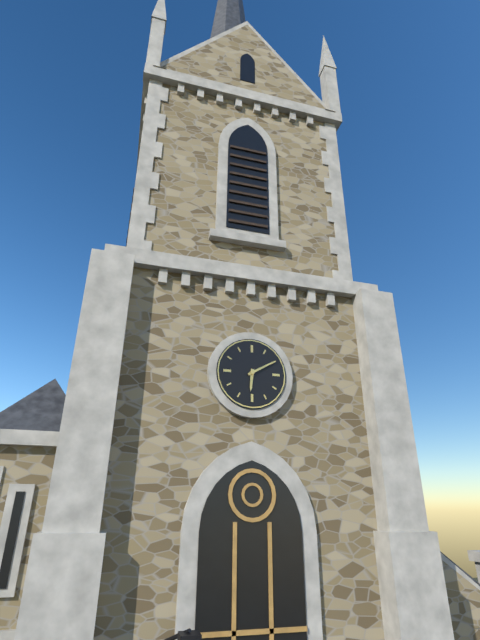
h=6 m=10
